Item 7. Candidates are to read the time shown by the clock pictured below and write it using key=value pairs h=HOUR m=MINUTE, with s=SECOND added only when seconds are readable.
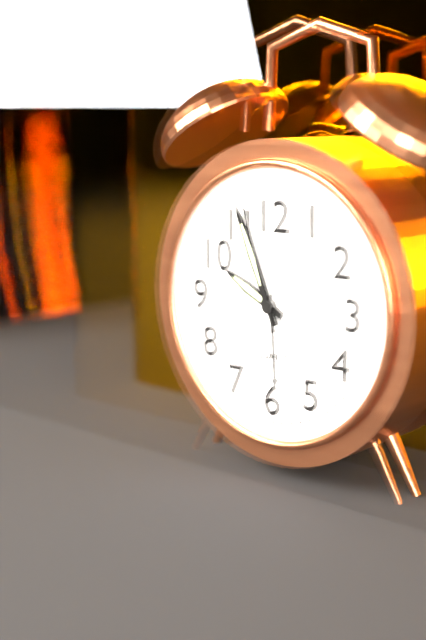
h=9 m=56 s=57
